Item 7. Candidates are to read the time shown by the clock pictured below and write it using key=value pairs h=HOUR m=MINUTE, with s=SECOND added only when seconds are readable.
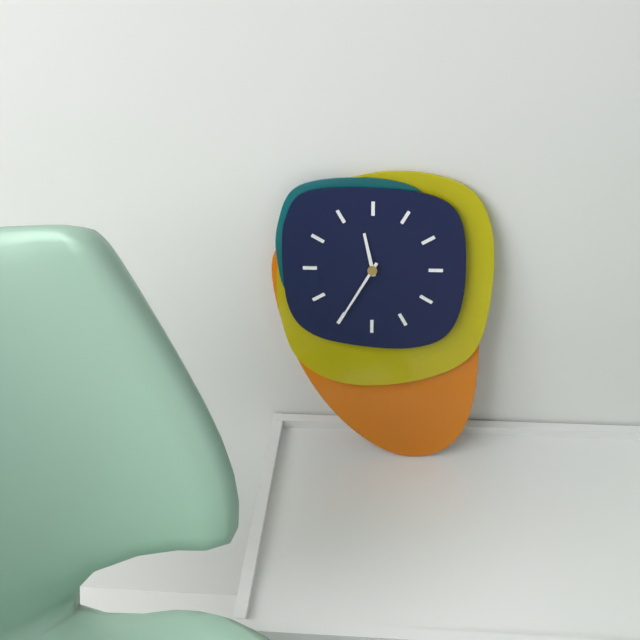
h=11 m=35
